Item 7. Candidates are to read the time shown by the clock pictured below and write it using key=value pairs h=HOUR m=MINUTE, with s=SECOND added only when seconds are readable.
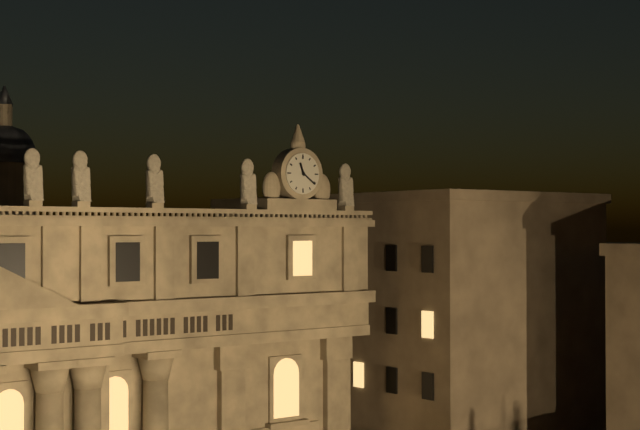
h=11 m=21
